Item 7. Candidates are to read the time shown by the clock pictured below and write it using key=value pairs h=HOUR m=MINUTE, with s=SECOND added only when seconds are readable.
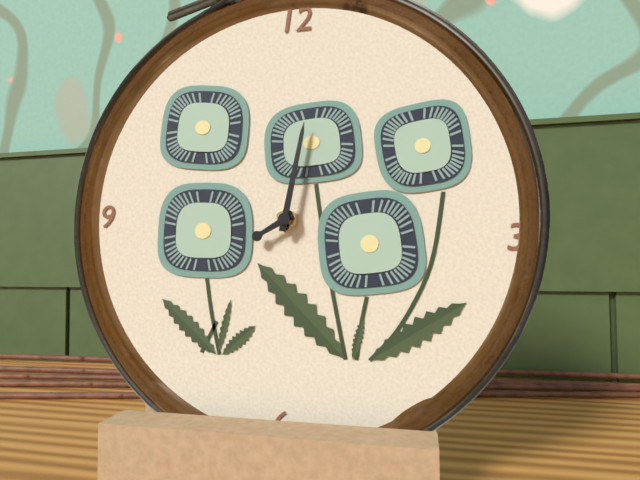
h=8 m=2
